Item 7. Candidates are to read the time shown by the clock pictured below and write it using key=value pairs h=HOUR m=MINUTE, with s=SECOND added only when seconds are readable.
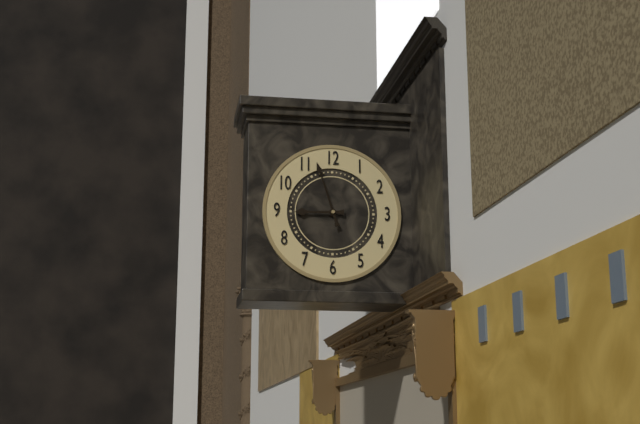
h=8 m=57
